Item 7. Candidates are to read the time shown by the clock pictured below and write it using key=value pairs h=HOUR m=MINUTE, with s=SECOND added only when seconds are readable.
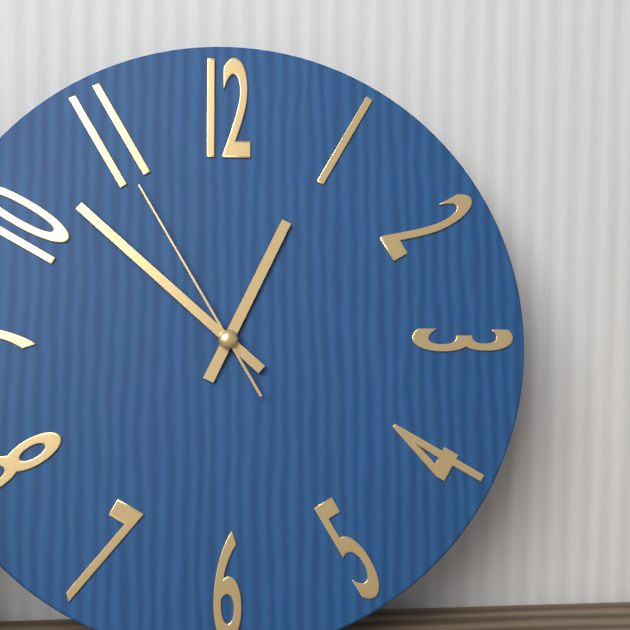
h=12 m=52 s=55
